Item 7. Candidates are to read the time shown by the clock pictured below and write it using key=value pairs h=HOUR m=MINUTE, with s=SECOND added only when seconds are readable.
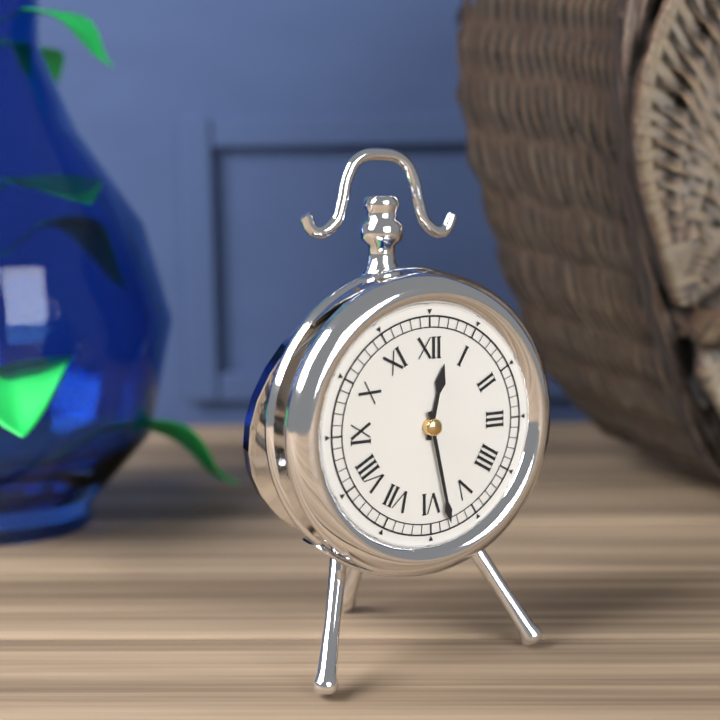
h=12 m=28
